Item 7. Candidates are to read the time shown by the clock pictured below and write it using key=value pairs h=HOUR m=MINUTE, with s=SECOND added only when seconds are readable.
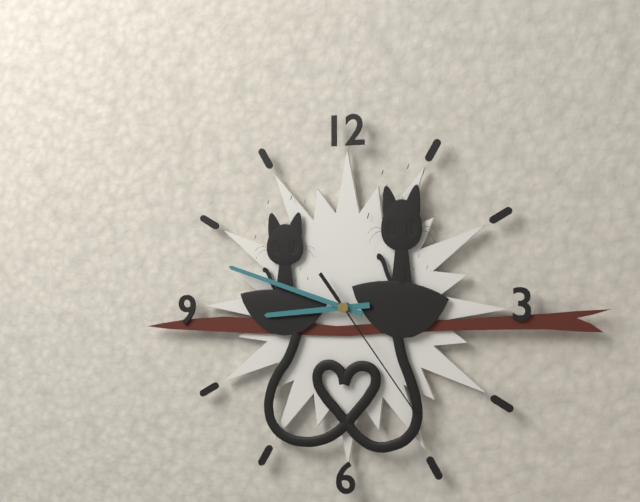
h=8 m=48 s=24
